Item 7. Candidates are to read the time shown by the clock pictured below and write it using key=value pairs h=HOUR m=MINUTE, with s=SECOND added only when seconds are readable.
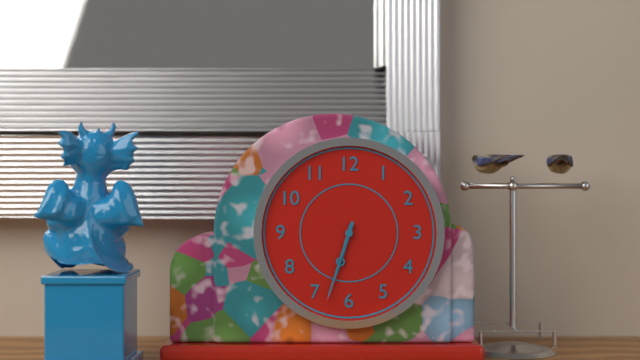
h=6 m=33
